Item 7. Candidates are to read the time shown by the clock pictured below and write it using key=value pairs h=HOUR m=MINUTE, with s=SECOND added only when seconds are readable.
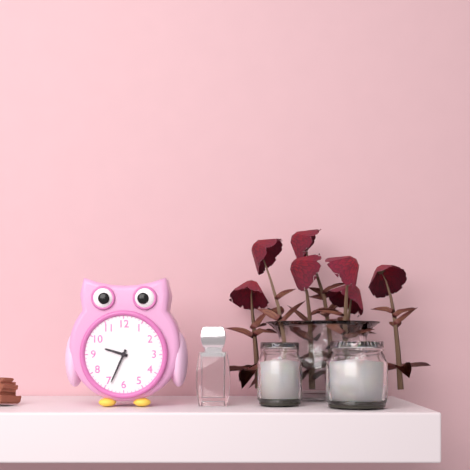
h=9 m=34
